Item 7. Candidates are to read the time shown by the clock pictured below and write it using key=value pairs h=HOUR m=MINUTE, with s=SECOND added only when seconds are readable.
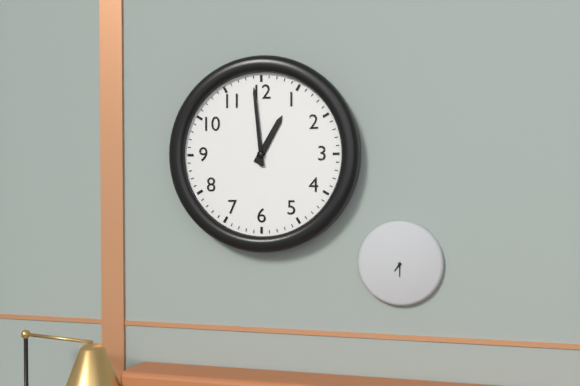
h=12 m=59
